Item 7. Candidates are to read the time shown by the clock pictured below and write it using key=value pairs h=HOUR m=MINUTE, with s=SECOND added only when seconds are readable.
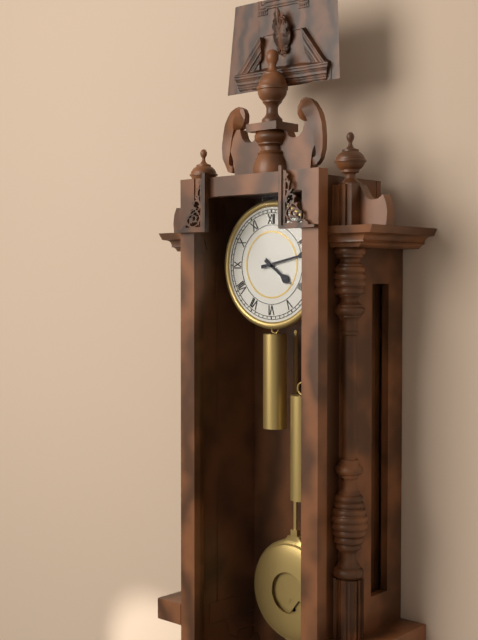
h=4 m=13
